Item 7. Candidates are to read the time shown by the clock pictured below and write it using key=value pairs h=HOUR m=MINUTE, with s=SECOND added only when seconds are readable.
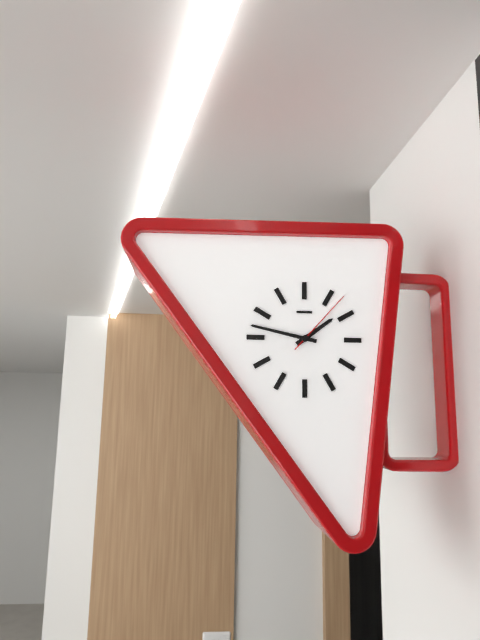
h=1 m=47 s=7
